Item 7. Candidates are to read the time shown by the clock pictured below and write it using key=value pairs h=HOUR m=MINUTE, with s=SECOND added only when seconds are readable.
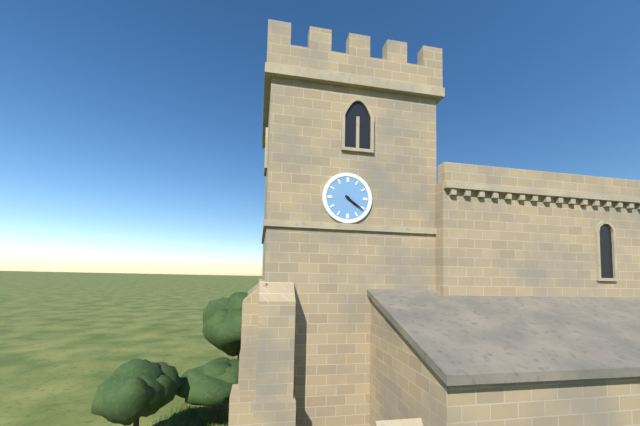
h=4 m=21
